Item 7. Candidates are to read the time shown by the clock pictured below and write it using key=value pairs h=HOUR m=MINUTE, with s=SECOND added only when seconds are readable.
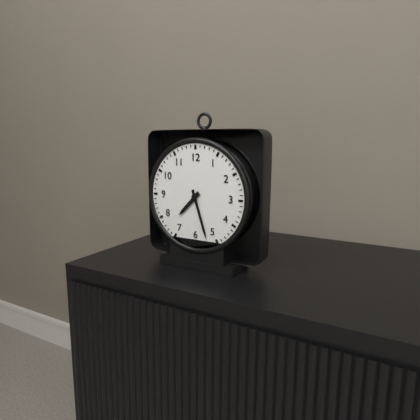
h=7 m=27
